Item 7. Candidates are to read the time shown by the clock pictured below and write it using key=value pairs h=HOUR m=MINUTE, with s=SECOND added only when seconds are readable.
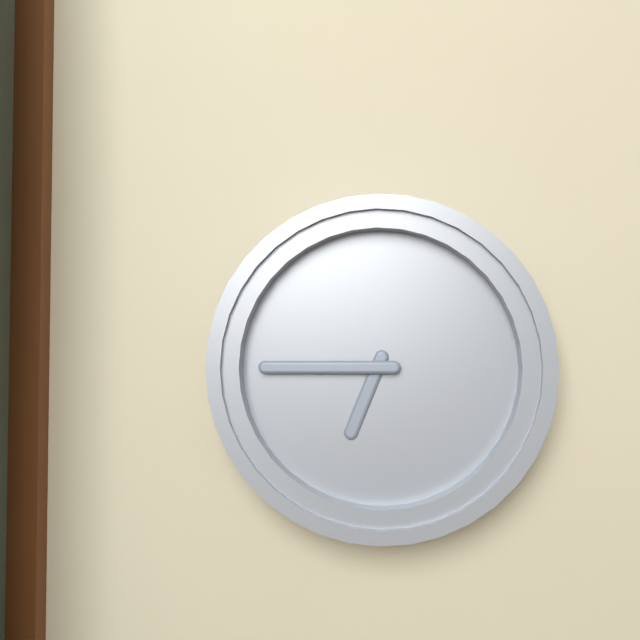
h=6 m=45
